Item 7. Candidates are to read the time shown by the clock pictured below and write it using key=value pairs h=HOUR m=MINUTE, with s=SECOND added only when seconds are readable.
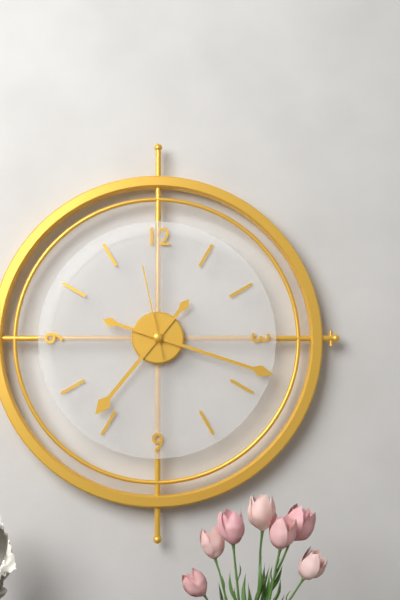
h=7 m=18 s=58
